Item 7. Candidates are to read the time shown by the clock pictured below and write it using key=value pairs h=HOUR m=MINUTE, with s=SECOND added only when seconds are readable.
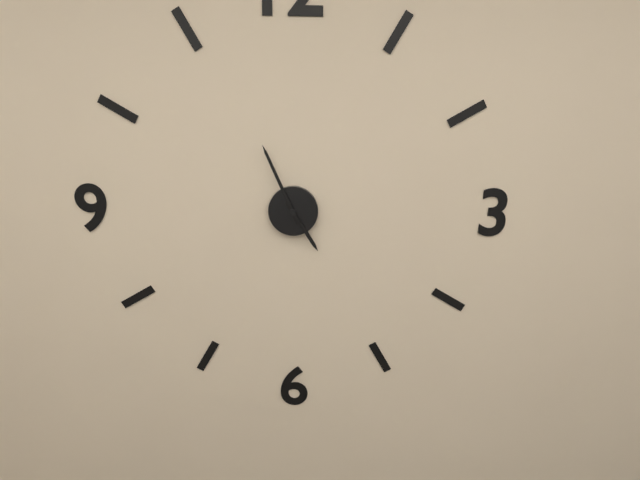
h=4 m=56
